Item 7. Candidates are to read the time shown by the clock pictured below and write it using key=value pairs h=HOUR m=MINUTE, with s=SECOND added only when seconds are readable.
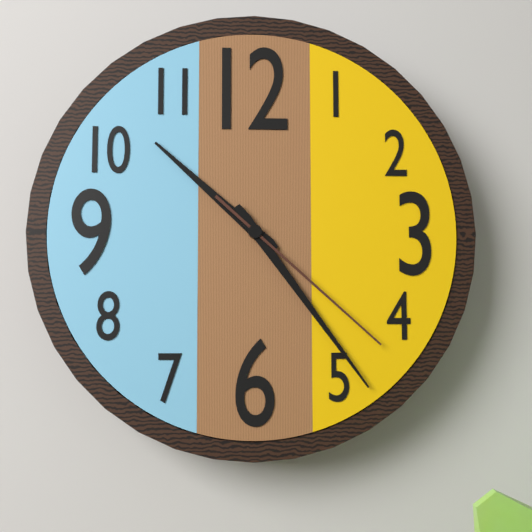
h=10 m=24 s=22
